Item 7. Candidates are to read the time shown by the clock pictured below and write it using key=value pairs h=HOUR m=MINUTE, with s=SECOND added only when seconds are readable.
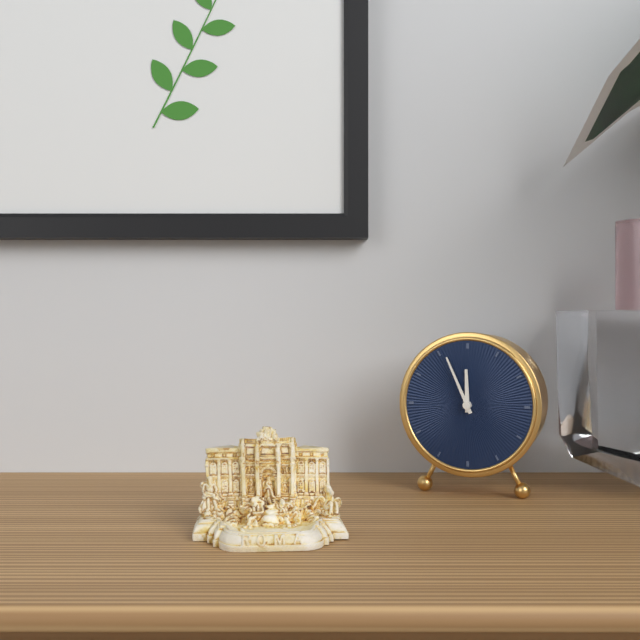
h=11 m=56
